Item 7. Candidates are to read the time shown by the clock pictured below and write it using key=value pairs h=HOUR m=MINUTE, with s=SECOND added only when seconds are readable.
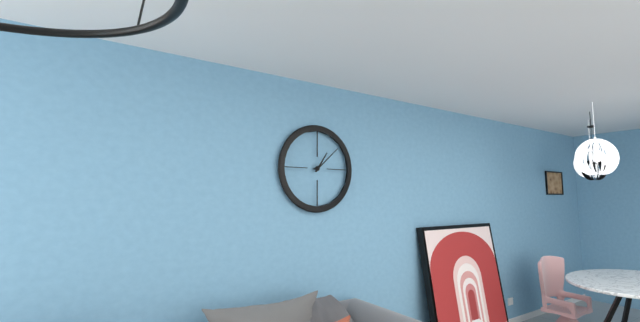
h=1 m=8
